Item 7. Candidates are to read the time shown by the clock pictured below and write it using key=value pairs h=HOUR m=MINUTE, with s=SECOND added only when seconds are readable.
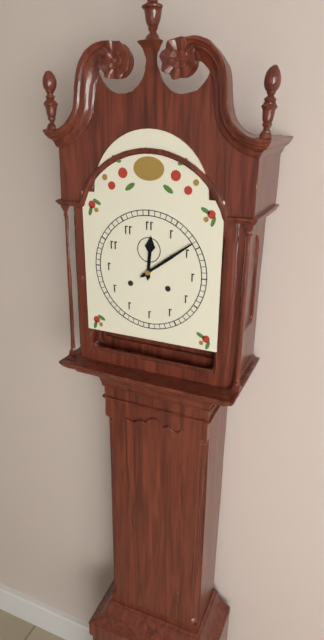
h=12 m=9
